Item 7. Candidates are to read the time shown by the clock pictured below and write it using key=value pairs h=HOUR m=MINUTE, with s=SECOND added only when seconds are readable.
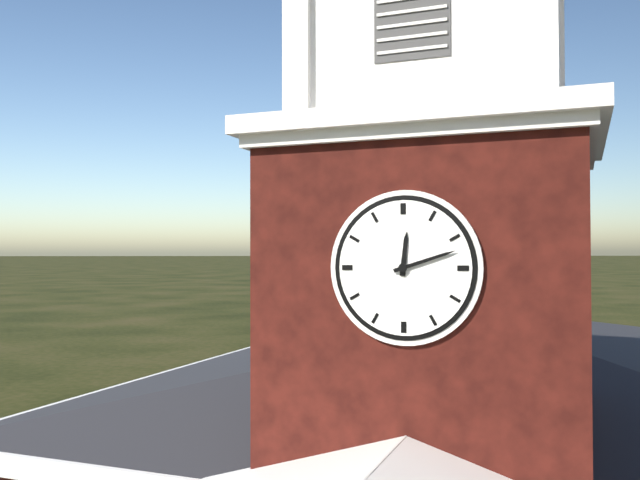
h=12 m=12
